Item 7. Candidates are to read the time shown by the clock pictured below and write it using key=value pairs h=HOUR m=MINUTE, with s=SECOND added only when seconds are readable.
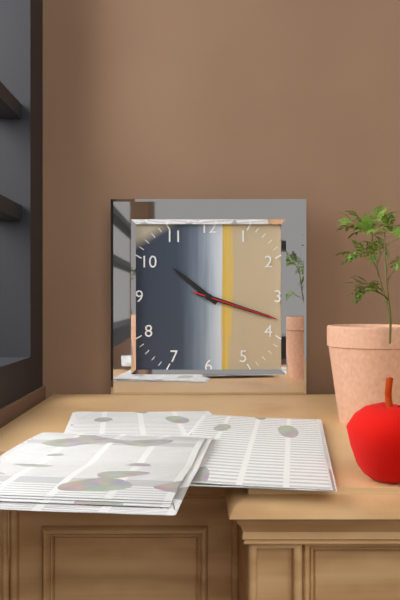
h=10 m=18 s=18
